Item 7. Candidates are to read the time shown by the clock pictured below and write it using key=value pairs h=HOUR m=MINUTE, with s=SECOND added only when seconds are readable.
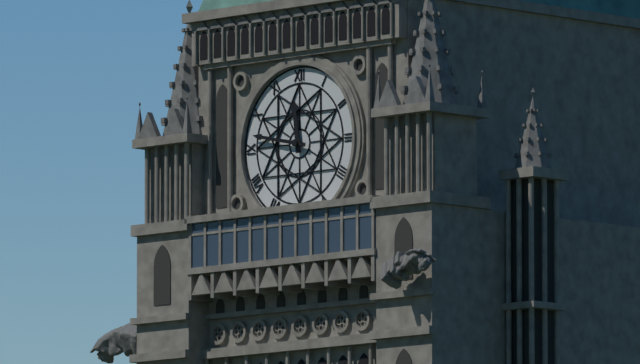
h=11 m=47
